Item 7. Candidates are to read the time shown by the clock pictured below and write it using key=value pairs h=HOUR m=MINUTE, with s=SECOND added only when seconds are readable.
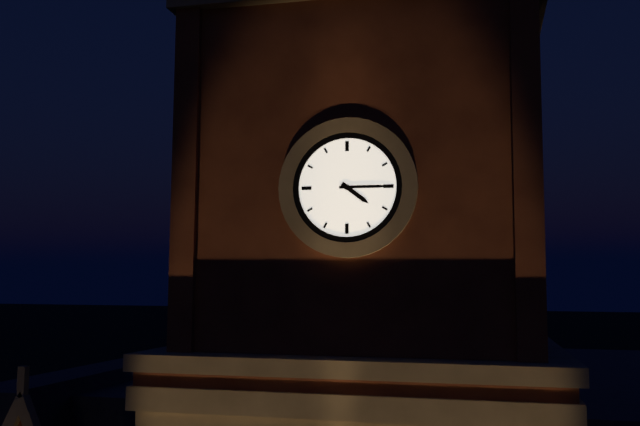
h=4 m=15
